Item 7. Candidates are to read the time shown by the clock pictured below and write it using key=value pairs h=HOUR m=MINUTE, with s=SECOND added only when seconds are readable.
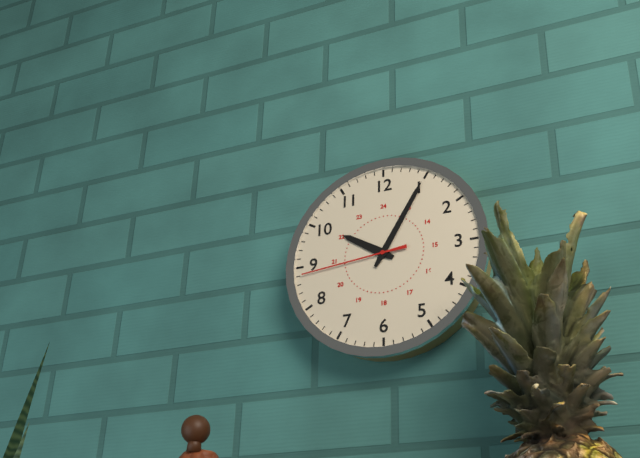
h=10 m=5 s=44
